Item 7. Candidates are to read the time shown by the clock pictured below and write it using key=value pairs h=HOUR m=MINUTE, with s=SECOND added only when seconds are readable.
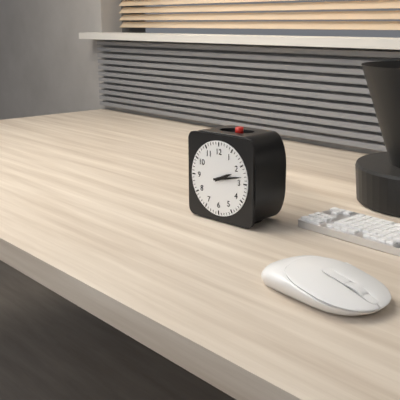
h=2 m=13
